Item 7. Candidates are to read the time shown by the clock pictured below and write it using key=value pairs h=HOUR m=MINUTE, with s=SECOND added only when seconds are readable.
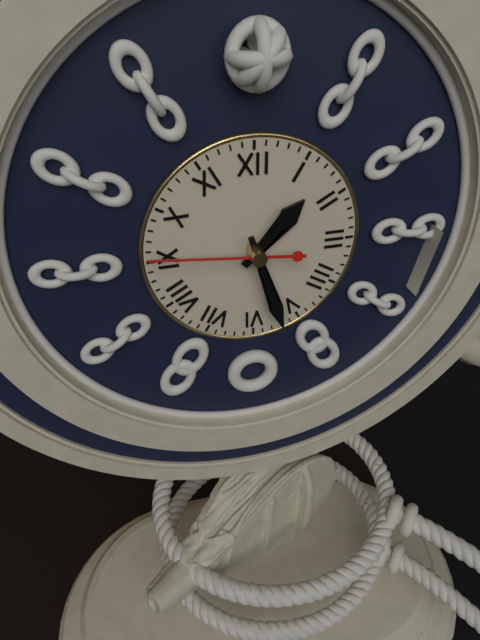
h=1 m=27 s=46
